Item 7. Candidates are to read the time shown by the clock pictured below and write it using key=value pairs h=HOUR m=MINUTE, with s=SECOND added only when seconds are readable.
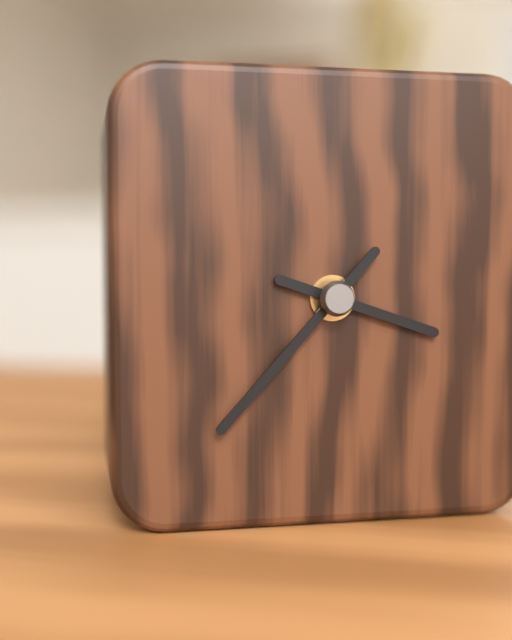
h=3 m=37
